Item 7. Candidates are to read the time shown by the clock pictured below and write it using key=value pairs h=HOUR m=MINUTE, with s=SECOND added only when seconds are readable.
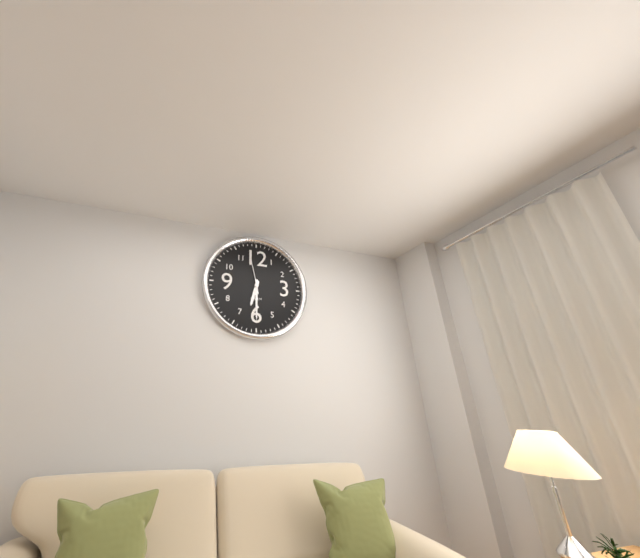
h=6 m=30
